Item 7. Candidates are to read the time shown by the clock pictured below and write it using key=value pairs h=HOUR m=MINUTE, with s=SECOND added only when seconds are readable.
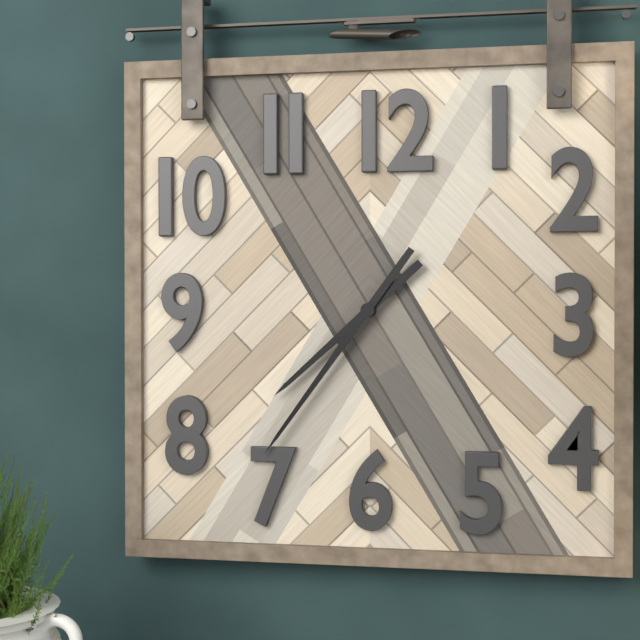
h=7 m=36
